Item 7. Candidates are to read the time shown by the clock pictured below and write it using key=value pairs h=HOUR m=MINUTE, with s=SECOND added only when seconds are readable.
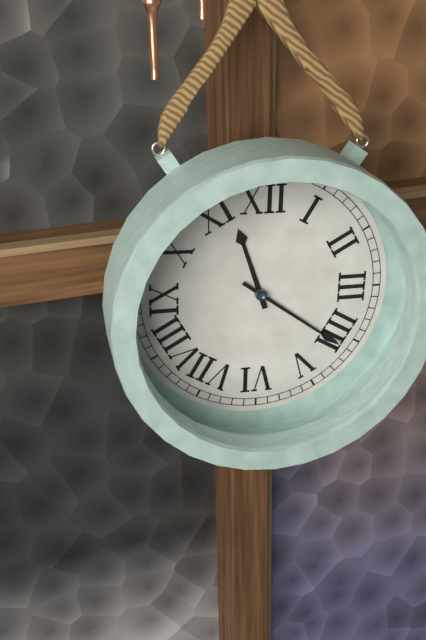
h=11 m=21
